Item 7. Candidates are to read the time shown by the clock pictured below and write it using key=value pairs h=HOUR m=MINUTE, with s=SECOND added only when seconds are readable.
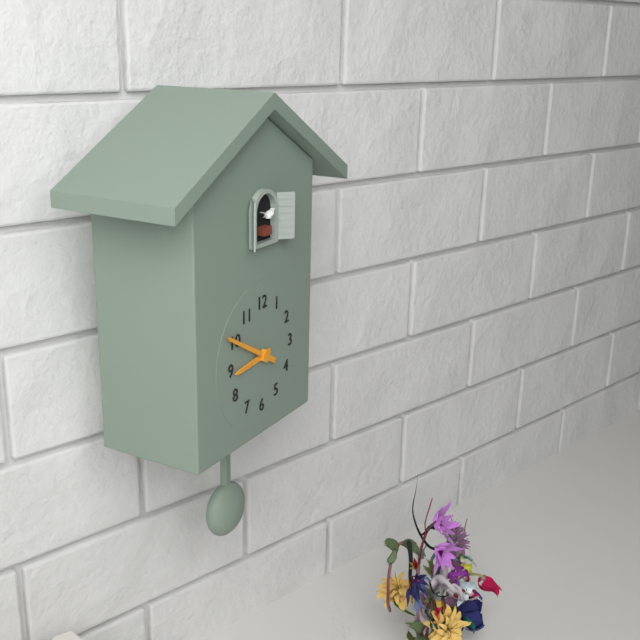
h=8 m=50
